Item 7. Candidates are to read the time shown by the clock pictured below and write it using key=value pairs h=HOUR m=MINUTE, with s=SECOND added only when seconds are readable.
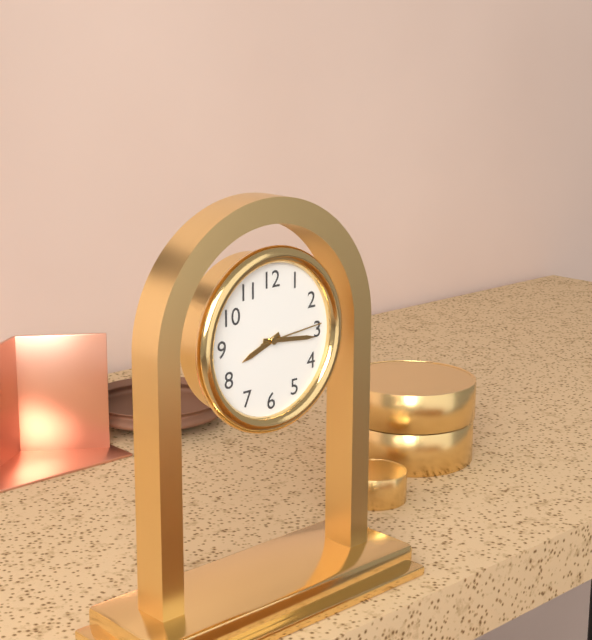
h=8 m=16 s=14
